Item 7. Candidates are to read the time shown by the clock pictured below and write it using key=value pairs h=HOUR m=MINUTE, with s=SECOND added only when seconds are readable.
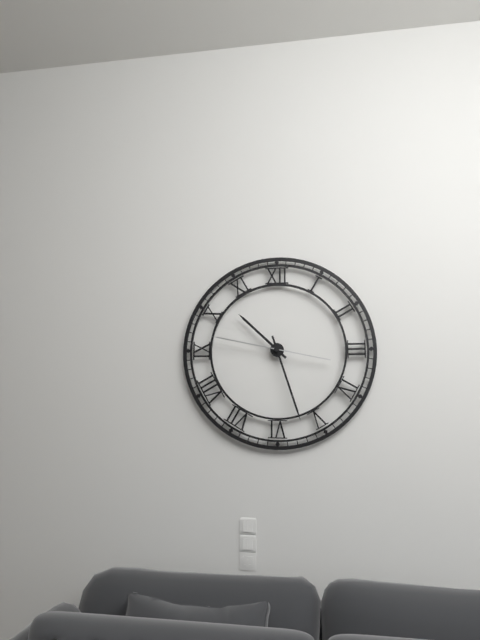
h=10 m=27 s=47
